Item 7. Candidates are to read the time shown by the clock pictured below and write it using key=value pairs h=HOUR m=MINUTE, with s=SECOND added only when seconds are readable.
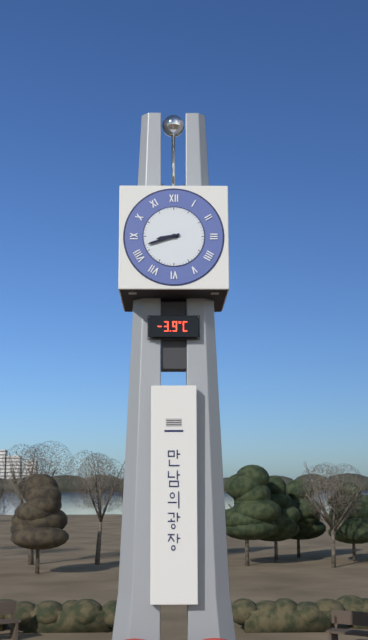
h=8 m=42
